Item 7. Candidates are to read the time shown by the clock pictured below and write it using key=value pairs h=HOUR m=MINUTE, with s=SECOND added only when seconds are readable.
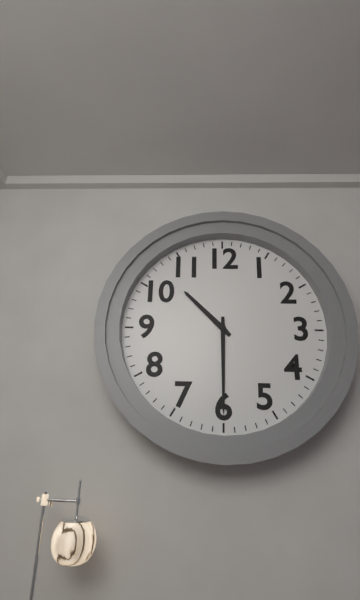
h=10 m=30
